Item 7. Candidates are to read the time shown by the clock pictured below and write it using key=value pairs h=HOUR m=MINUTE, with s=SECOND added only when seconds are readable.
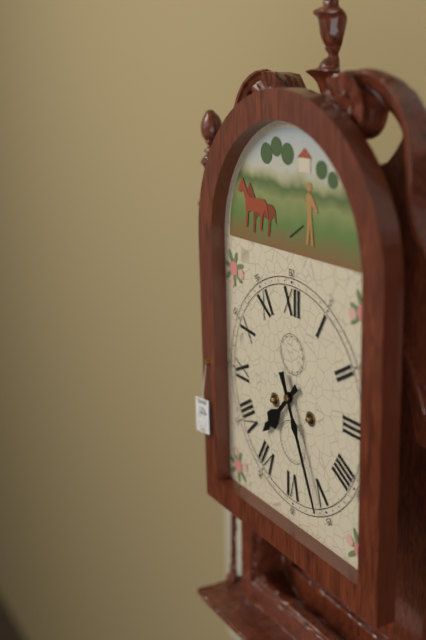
h=7 m=26
